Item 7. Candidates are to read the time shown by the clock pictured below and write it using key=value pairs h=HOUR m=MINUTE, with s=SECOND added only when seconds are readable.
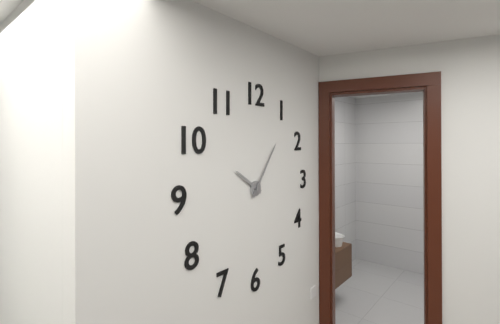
h=10 m=6
